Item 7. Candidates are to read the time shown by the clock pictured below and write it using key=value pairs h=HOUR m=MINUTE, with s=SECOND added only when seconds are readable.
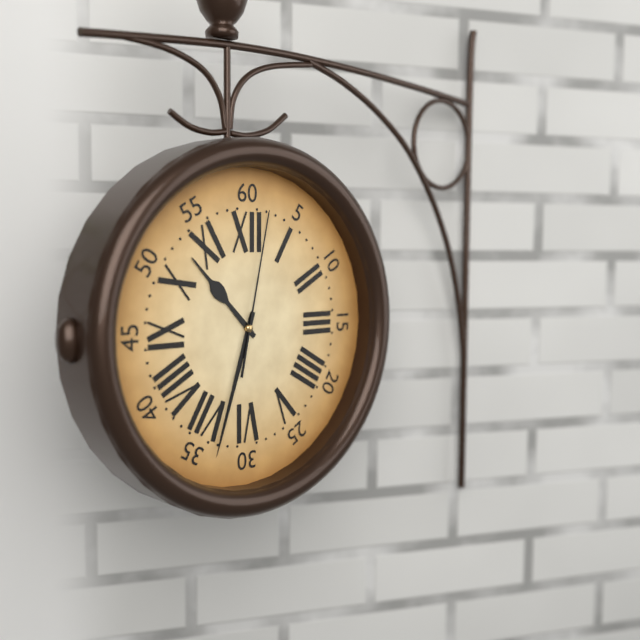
h=10 m=33 s=2
